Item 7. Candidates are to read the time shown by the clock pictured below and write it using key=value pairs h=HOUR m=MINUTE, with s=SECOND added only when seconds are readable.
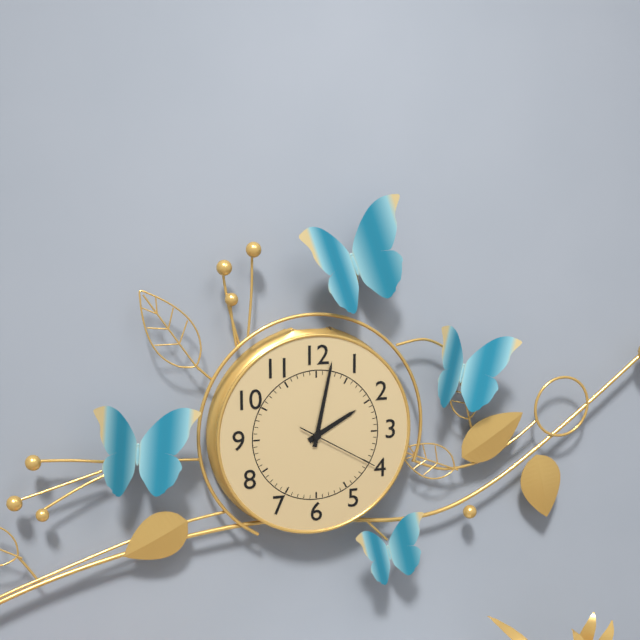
h=2 m=2 s=20
